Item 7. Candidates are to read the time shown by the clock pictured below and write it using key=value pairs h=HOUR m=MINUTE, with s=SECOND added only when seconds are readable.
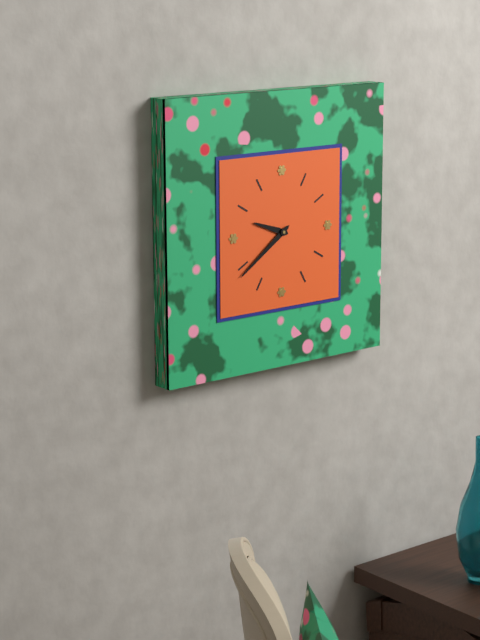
h=9 m=39
